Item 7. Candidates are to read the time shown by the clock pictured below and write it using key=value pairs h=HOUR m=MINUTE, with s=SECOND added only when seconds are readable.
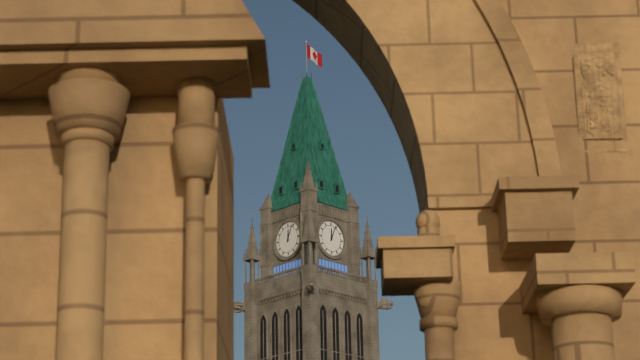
h=12 m=4
